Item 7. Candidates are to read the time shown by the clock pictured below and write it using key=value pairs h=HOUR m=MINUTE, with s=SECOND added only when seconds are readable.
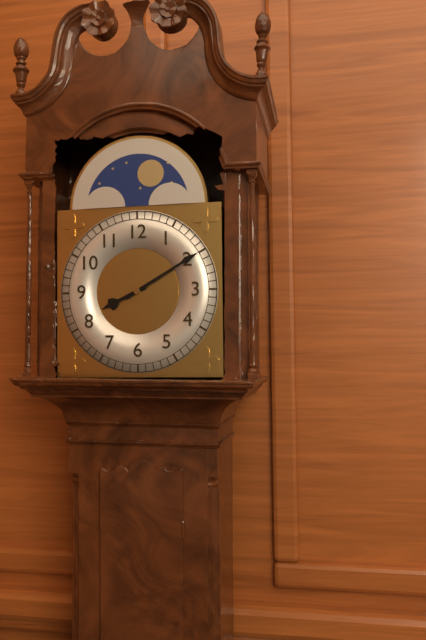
h=8 m=10
